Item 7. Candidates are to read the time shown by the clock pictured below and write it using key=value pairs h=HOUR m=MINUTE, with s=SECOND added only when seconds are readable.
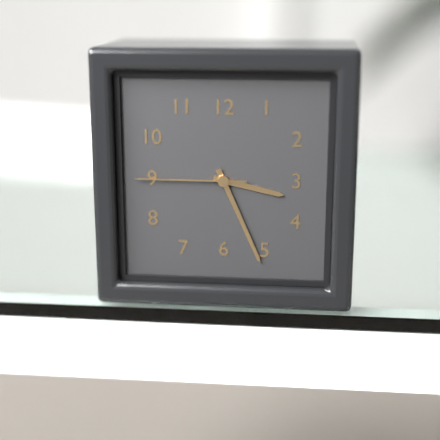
h=3 m=26 s=45
